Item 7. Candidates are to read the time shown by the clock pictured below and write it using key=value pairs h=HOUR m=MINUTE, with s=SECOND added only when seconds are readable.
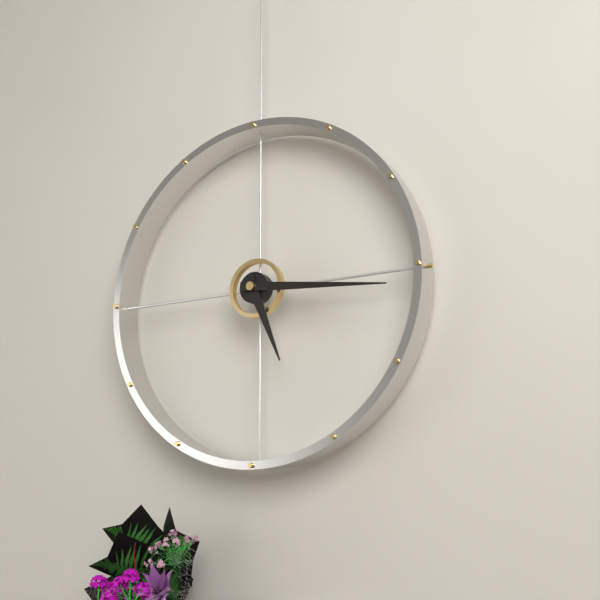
h=5 m=16
